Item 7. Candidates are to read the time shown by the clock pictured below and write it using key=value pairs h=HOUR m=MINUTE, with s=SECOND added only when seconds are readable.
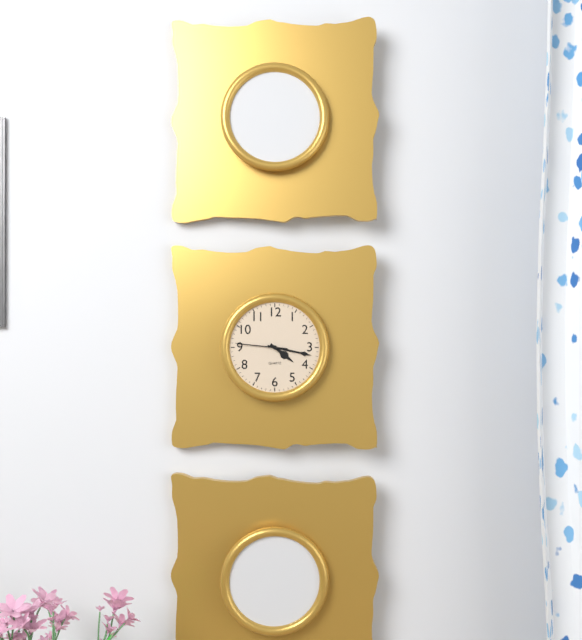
h=4 m=17 s=46
